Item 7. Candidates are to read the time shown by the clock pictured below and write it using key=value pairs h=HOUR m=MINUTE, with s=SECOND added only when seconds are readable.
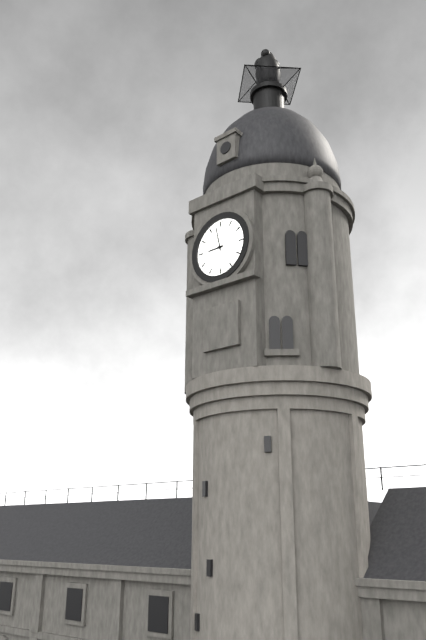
h=8 m=58
